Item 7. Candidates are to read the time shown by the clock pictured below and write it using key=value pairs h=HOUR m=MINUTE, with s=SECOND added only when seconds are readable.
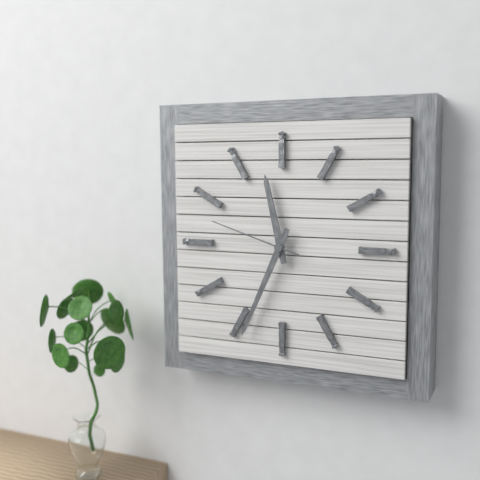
h=11 m=34 s=48
